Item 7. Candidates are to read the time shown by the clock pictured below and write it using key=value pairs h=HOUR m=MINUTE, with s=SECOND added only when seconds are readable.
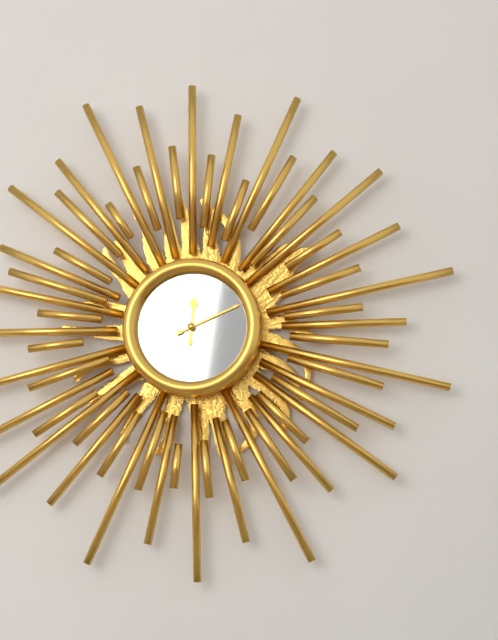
h=12 m=11
